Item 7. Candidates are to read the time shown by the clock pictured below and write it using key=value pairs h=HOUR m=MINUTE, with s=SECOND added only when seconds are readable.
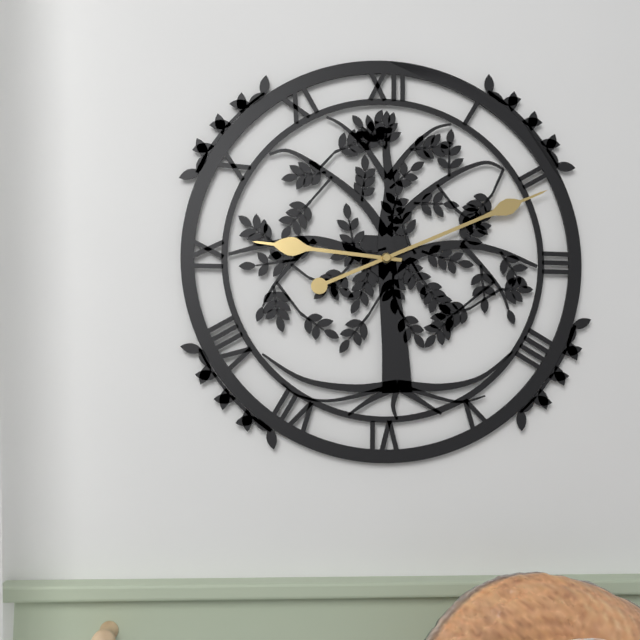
h=9 m=11
